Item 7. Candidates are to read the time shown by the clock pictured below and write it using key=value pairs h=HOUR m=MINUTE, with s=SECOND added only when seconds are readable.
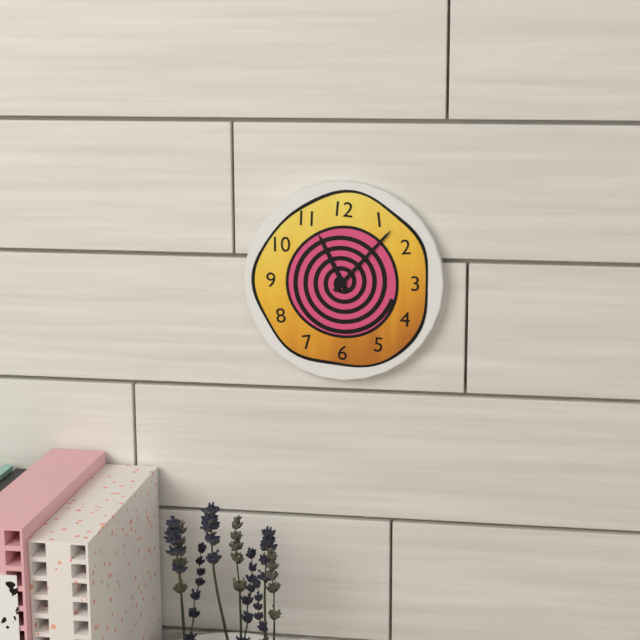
h=11 m=7
